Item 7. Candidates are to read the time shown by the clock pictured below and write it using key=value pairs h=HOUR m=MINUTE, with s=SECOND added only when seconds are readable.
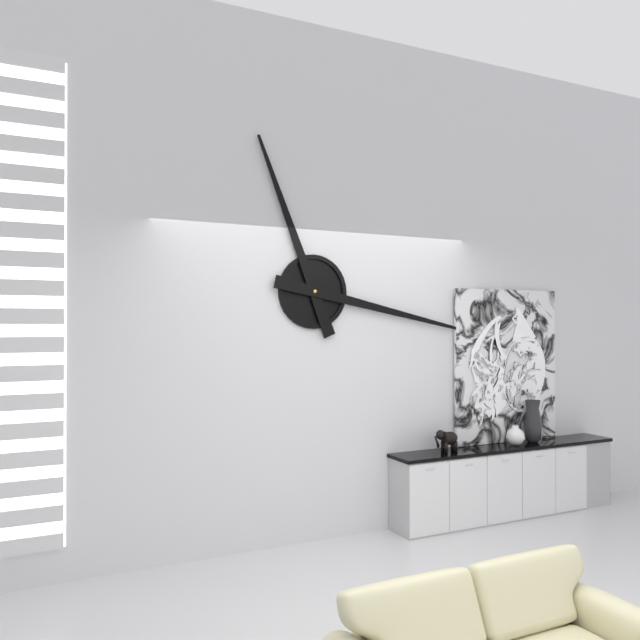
h=11 m=17
